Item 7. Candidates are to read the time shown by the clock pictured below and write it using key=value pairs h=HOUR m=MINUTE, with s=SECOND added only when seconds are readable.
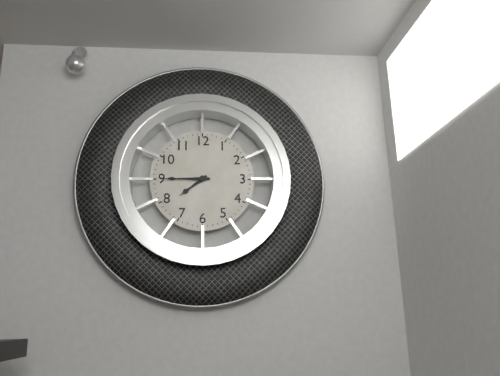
h=7 m=45
